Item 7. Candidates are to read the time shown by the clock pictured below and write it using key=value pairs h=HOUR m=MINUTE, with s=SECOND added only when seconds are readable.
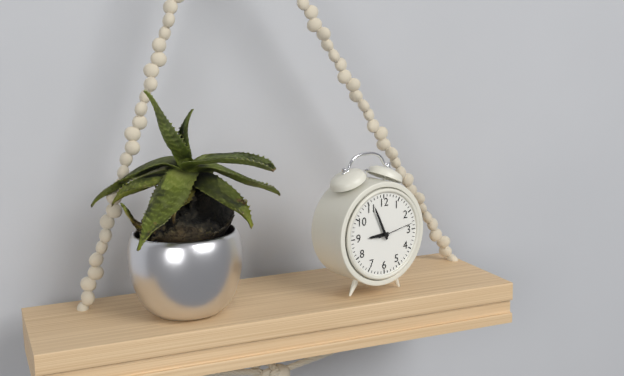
h=8 m=56
